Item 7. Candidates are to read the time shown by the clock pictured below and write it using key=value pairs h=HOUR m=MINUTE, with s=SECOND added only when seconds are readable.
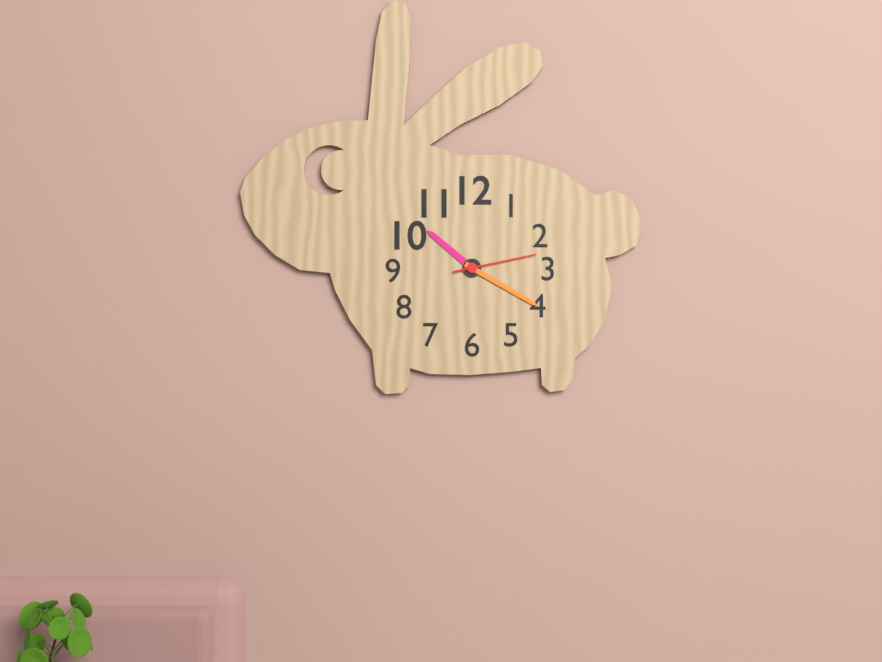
h=10 m=20 s=13
